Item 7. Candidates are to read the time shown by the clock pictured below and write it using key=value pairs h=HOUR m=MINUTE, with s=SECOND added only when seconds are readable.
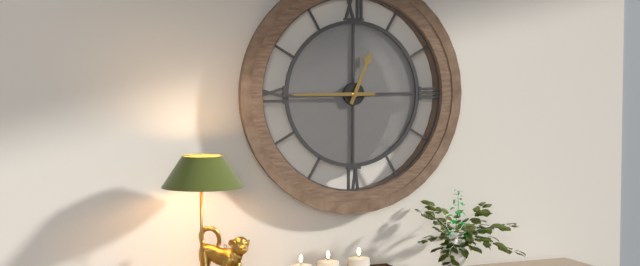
h=12 m=45
